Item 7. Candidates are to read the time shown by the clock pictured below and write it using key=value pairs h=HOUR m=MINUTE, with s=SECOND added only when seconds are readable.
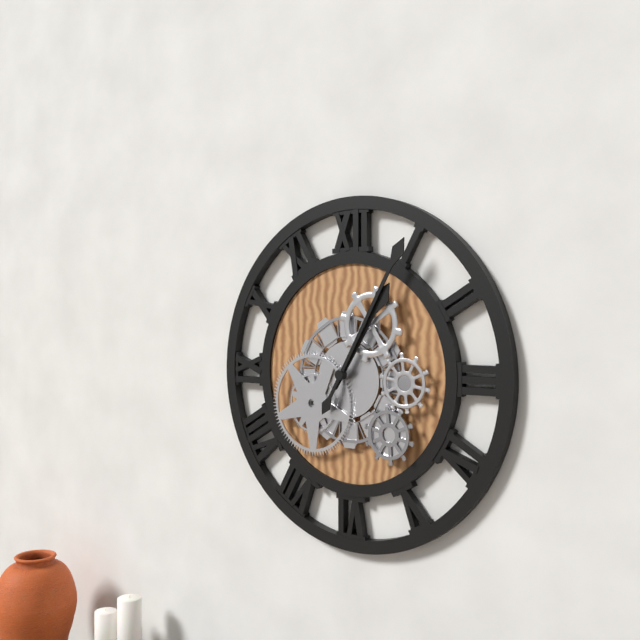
h=1 m=5
